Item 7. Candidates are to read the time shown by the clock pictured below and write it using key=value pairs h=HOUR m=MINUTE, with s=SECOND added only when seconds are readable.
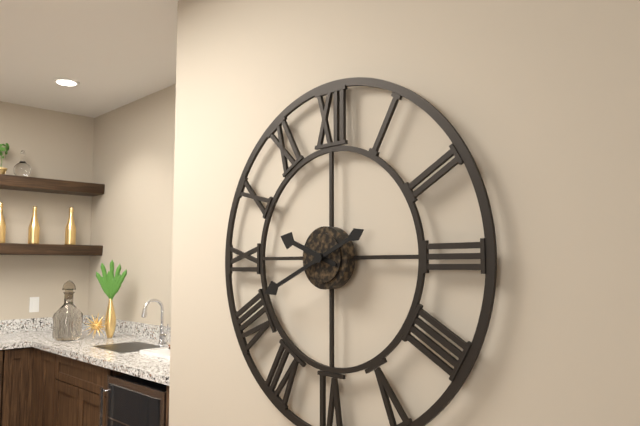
h=9 m=41
